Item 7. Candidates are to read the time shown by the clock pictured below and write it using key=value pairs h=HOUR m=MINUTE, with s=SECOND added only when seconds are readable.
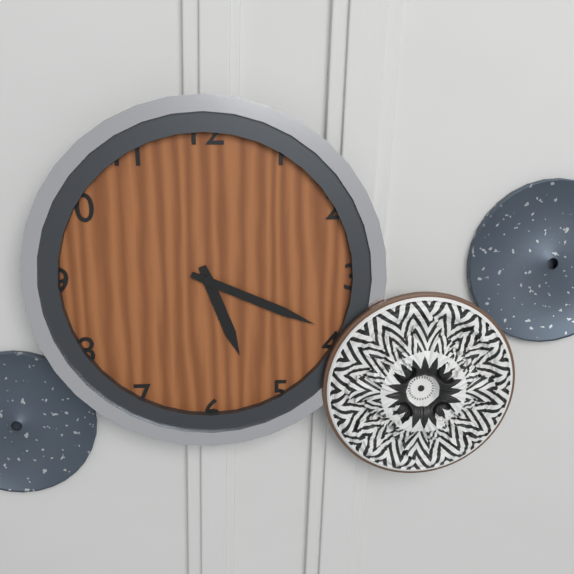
h=5 m=19
